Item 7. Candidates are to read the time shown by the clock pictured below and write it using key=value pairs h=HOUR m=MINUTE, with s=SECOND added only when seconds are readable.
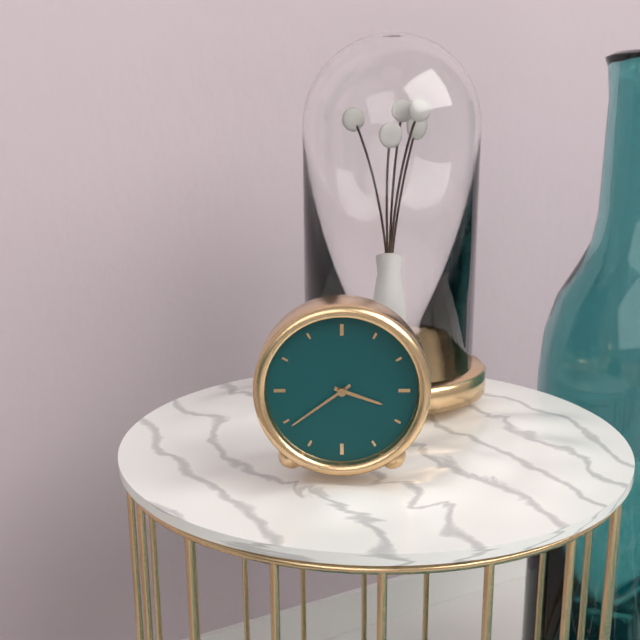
h=3 m=39
